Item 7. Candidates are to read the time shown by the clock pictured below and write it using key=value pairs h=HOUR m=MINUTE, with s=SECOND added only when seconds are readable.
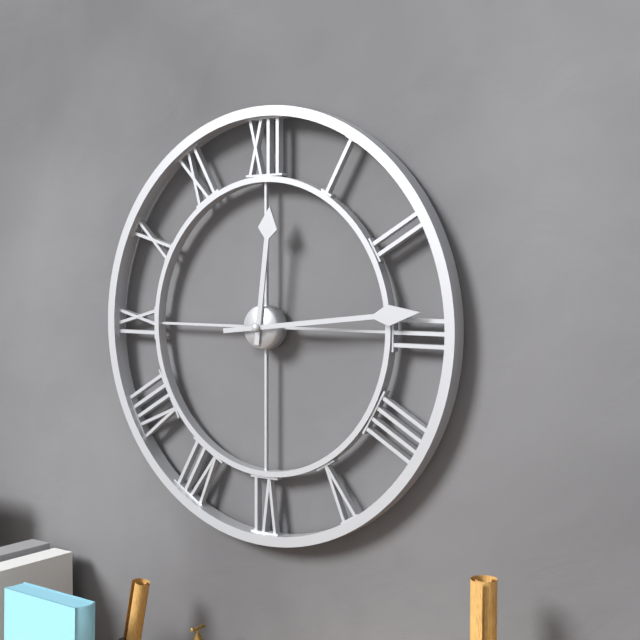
h=12 m=14
